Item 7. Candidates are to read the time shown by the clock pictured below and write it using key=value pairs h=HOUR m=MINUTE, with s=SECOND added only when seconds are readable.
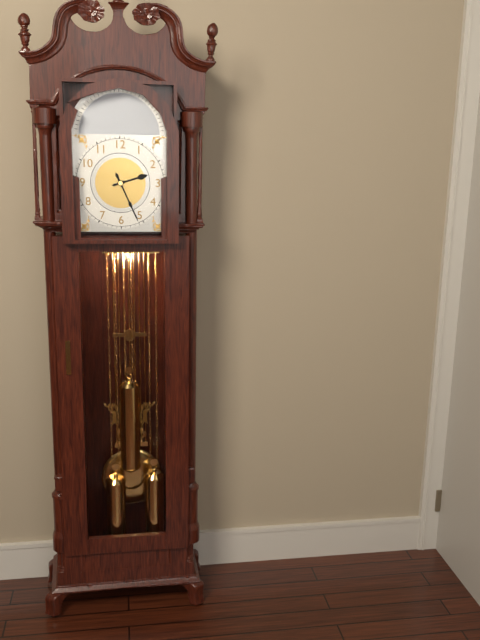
h=2 m=26
